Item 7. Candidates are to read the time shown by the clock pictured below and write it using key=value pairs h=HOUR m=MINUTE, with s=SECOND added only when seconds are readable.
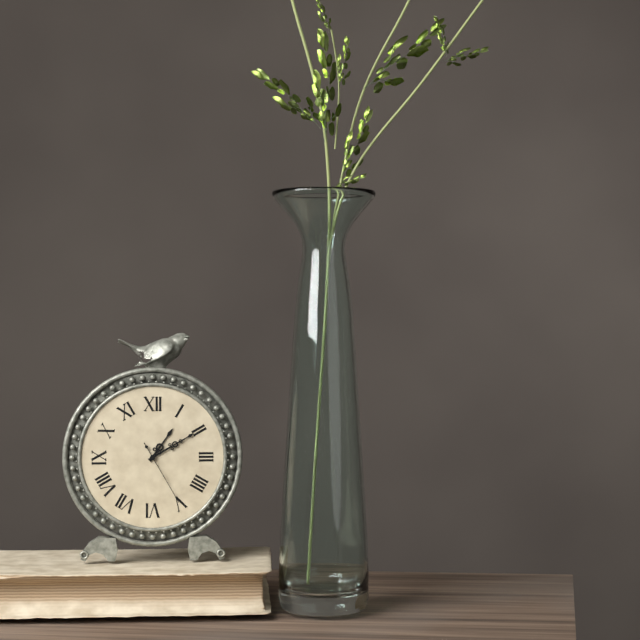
h=1 m=10 s=25
